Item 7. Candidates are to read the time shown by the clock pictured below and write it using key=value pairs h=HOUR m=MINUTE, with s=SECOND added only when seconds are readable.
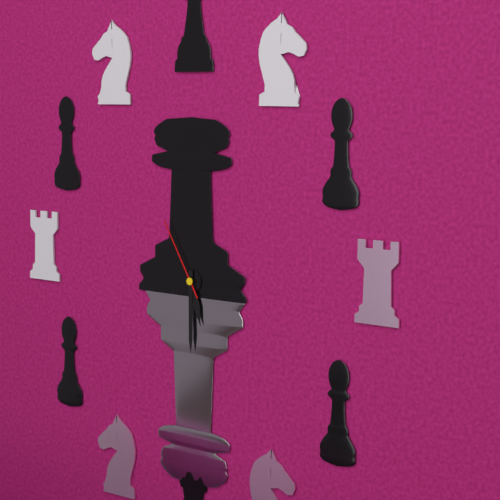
h=5 m=30 s=55
